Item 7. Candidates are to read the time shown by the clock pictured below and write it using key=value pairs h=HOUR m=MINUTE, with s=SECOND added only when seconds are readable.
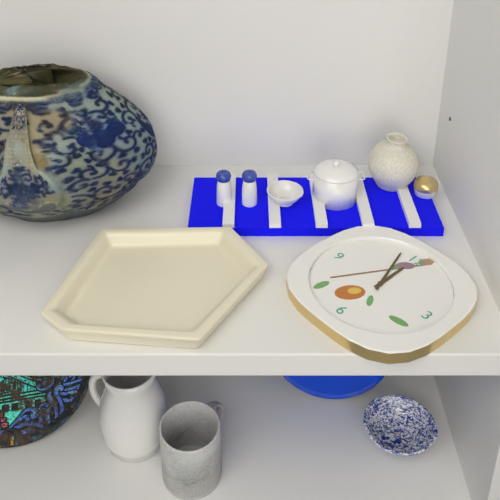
h=11 m=57
